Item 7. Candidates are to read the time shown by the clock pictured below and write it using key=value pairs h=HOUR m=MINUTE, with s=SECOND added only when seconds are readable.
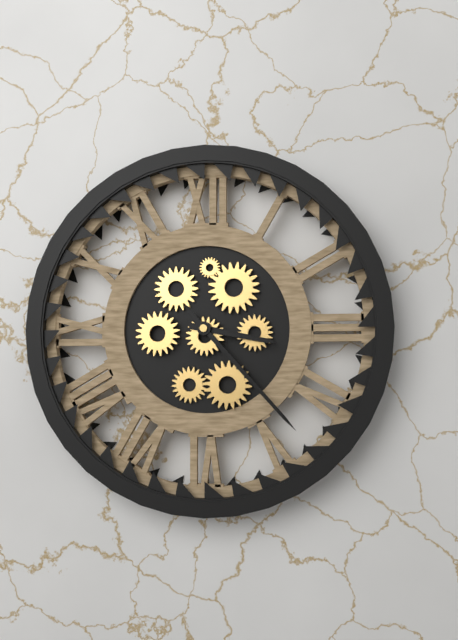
h=3 m=23
